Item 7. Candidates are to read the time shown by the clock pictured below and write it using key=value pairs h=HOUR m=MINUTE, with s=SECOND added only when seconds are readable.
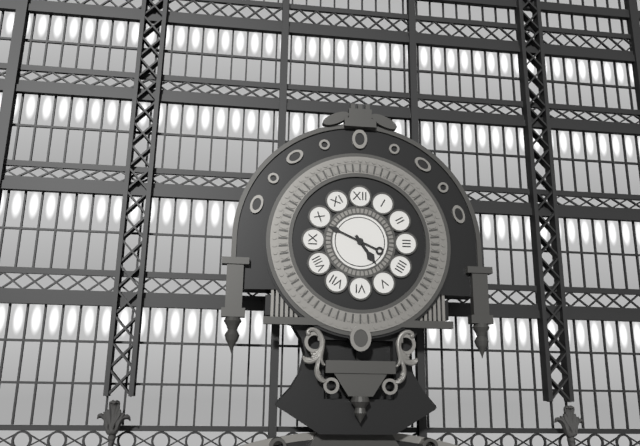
h=4 m=49
